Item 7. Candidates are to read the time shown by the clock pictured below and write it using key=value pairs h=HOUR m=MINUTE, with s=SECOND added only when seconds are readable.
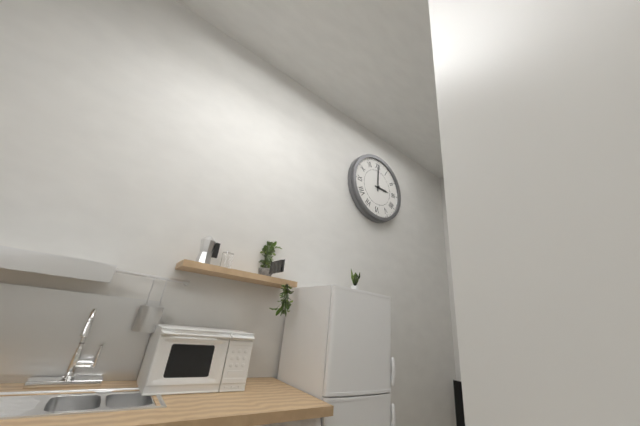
h=3 m=0
